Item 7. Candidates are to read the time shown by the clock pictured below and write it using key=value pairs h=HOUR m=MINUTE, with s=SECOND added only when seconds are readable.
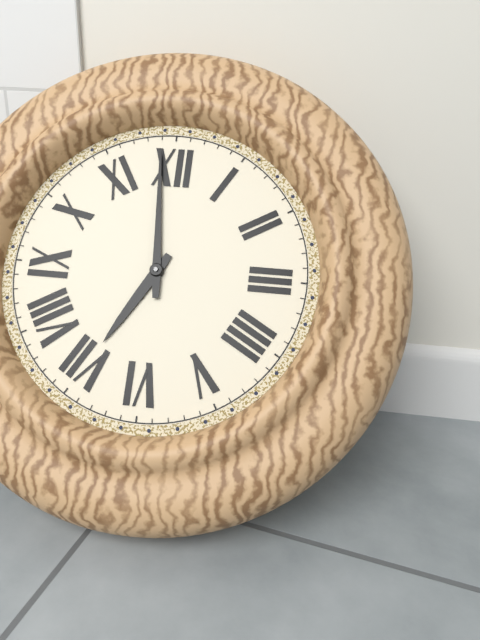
h=6 m=59
